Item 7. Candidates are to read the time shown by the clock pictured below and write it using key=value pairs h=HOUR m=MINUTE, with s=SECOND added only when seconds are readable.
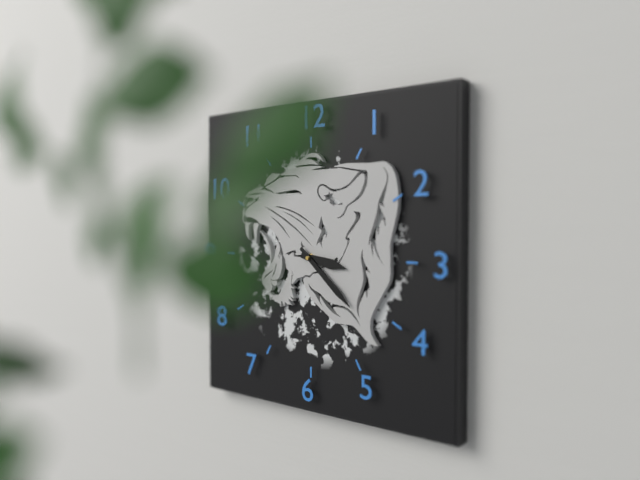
h=3 m=22
